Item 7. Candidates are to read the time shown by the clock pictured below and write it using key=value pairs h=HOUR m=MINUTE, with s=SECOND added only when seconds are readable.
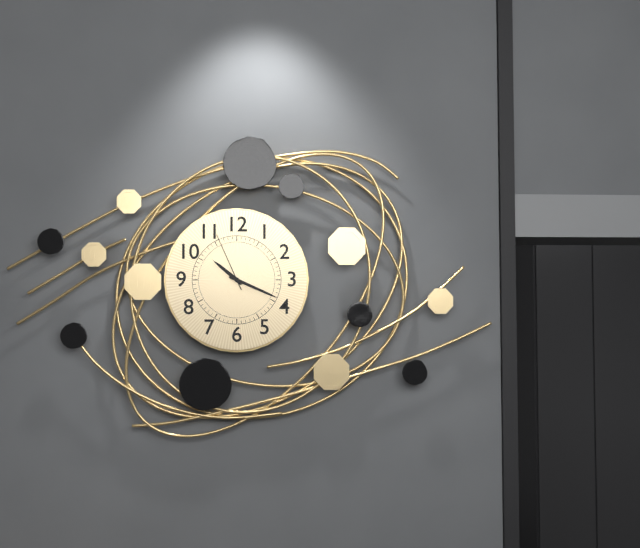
h=10 m=19 s=56
